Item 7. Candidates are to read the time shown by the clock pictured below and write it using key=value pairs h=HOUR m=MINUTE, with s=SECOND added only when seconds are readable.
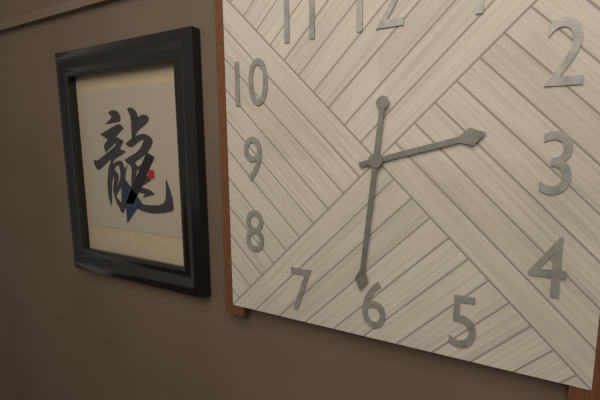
h=2 m=31
